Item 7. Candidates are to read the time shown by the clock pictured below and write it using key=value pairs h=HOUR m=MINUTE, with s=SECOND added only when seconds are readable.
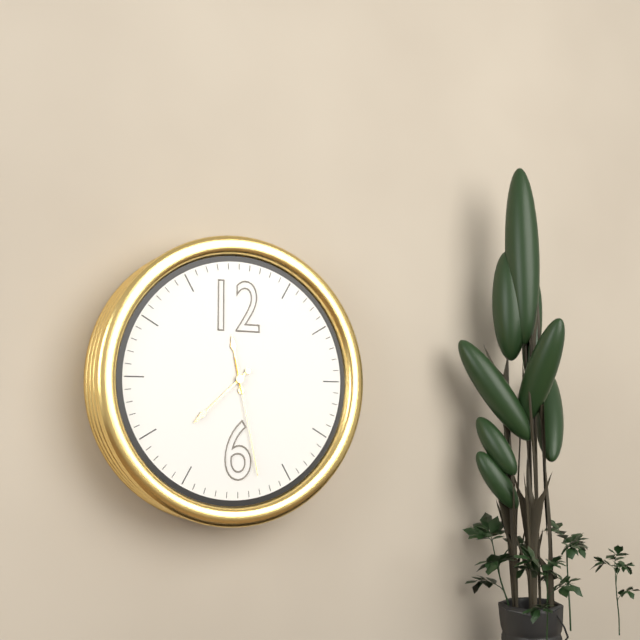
h=11 m=38 s=28
